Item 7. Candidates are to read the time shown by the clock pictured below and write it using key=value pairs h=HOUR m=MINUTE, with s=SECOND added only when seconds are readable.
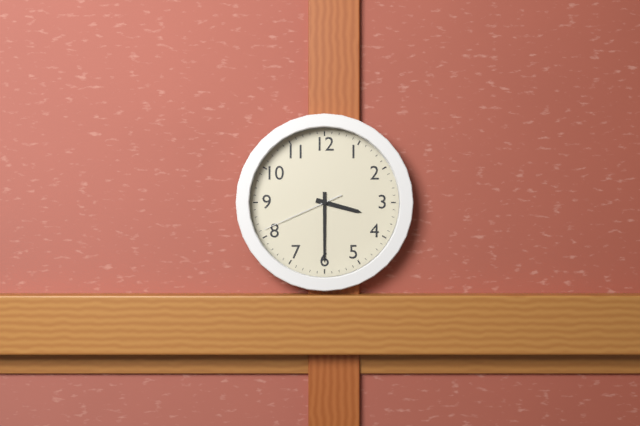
h=3 m=30 s=41
